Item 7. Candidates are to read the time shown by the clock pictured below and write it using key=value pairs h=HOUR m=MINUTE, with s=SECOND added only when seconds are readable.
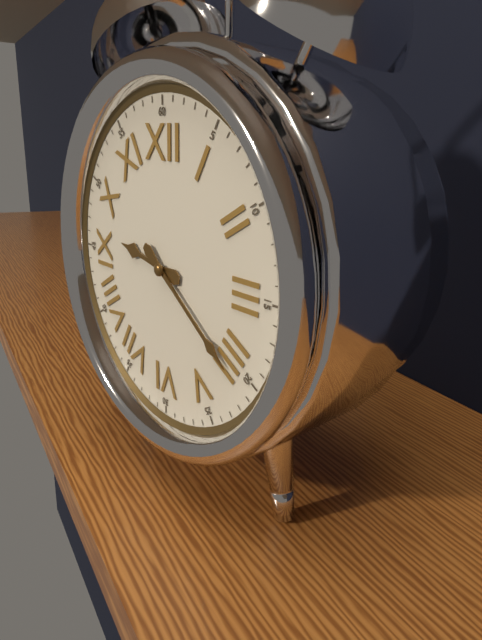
h=9 m=21
